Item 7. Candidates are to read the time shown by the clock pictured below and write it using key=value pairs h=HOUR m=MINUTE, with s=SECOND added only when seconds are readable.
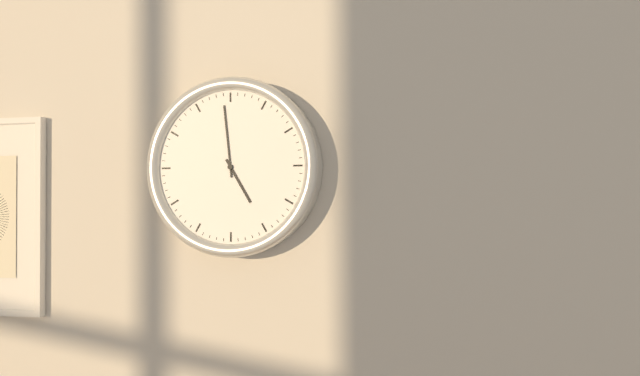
h=4 m=59
